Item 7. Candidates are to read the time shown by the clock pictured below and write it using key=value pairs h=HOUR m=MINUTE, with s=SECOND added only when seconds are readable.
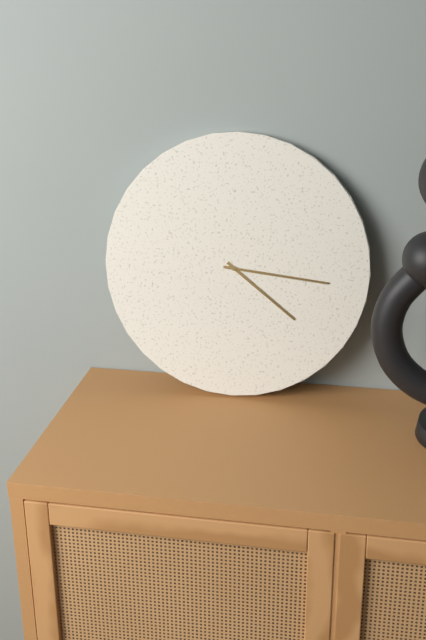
h=4 m=16
